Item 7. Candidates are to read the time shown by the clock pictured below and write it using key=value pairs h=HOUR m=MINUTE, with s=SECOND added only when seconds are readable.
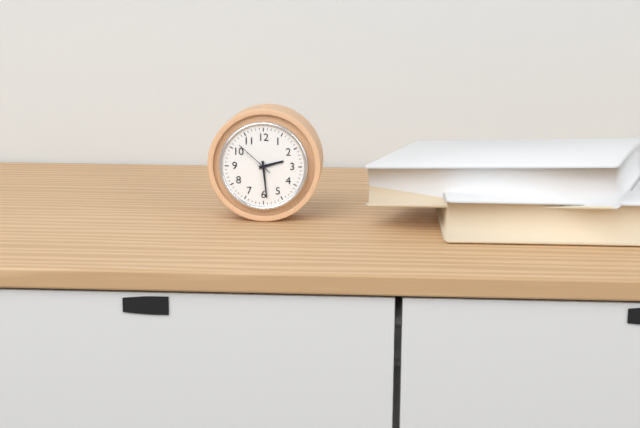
h=2 m=29
